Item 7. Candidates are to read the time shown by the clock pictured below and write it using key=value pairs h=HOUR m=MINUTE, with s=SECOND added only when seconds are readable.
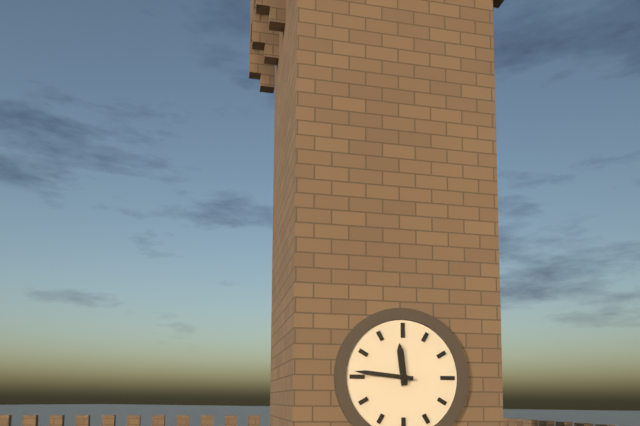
h=11 m=46
